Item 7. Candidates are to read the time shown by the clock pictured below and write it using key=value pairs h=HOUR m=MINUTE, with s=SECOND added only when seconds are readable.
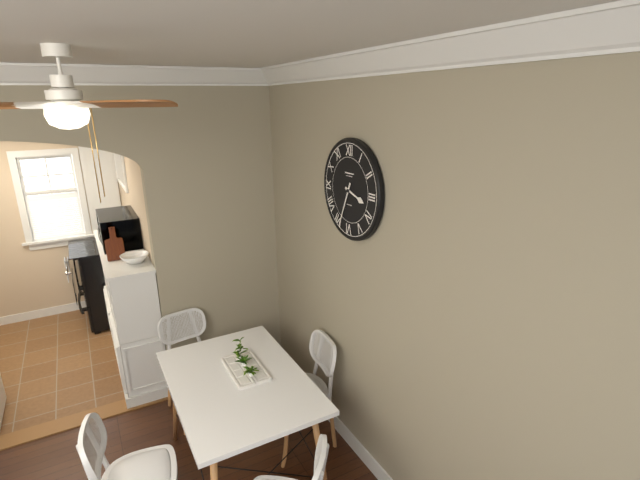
h=3 m=34
